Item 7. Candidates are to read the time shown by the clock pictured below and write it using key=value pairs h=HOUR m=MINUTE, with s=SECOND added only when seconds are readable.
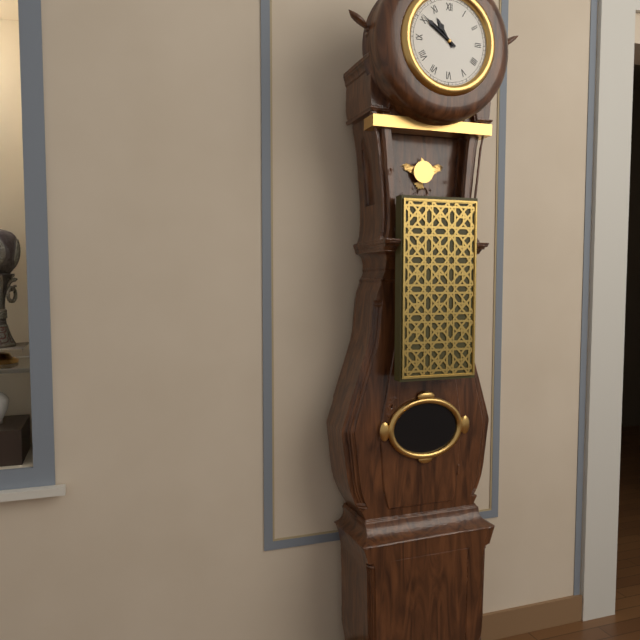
h=10 m=51
